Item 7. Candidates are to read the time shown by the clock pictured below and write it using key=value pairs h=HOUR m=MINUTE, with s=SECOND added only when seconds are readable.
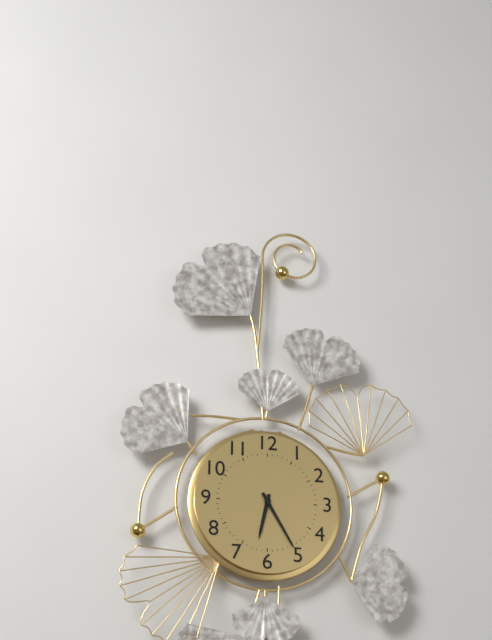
h=6 m=25
